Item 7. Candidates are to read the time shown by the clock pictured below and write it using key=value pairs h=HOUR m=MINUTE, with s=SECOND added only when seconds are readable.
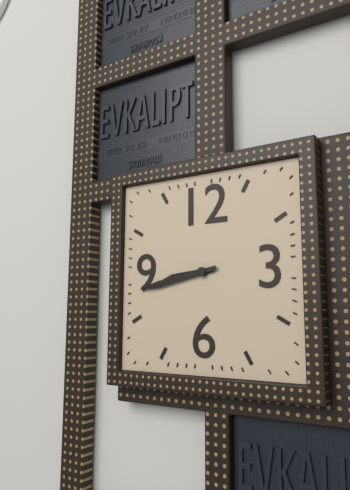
h=8 m=43
